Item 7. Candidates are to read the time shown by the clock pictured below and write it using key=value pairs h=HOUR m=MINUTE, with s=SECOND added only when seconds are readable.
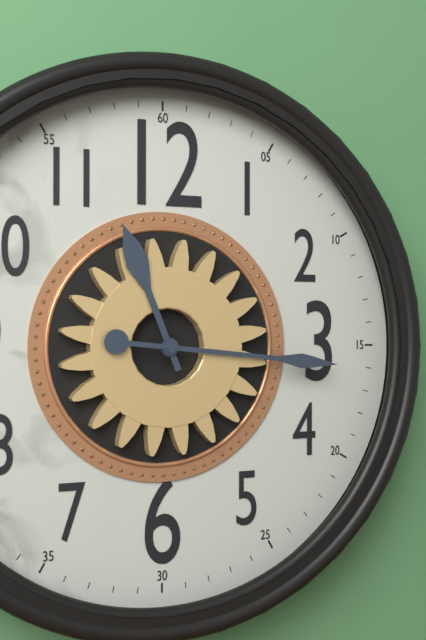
h=11 m=16
